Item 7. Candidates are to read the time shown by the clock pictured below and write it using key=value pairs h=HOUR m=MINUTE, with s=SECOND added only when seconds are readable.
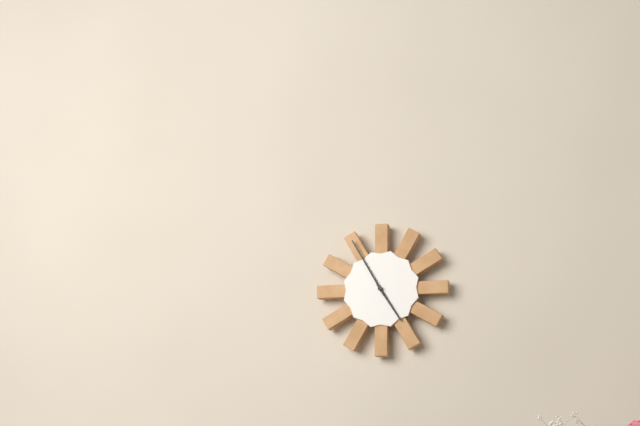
h=4 m=55
